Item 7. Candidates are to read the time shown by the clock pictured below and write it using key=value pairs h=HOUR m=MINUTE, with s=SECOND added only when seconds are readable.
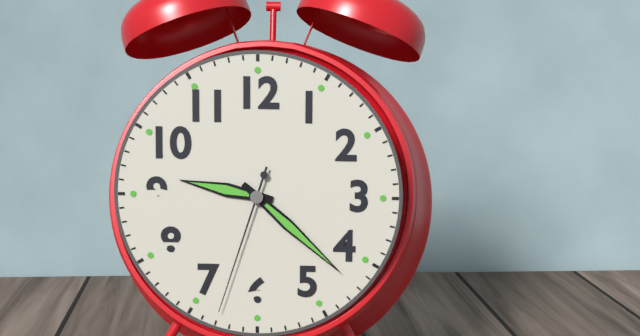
h=9 m=22 s=33
